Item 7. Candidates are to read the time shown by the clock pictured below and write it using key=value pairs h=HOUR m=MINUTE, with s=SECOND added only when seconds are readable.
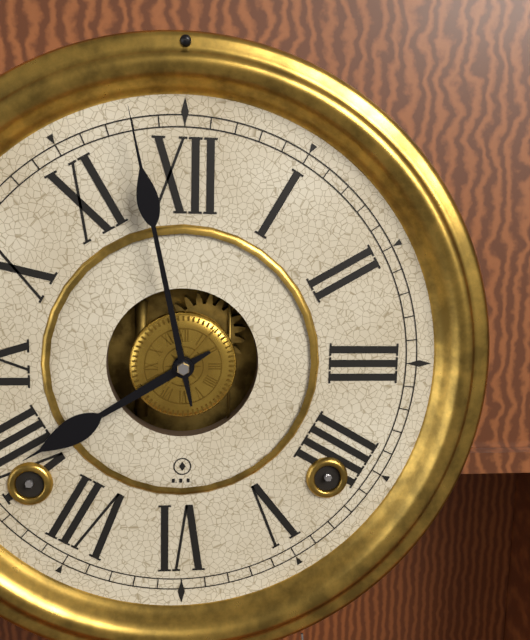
h=7 m=58
